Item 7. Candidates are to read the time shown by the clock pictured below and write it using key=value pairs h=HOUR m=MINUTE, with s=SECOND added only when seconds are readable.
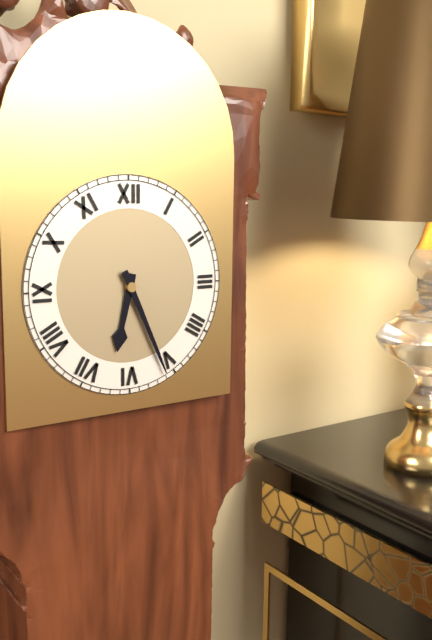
h=6 m=26
